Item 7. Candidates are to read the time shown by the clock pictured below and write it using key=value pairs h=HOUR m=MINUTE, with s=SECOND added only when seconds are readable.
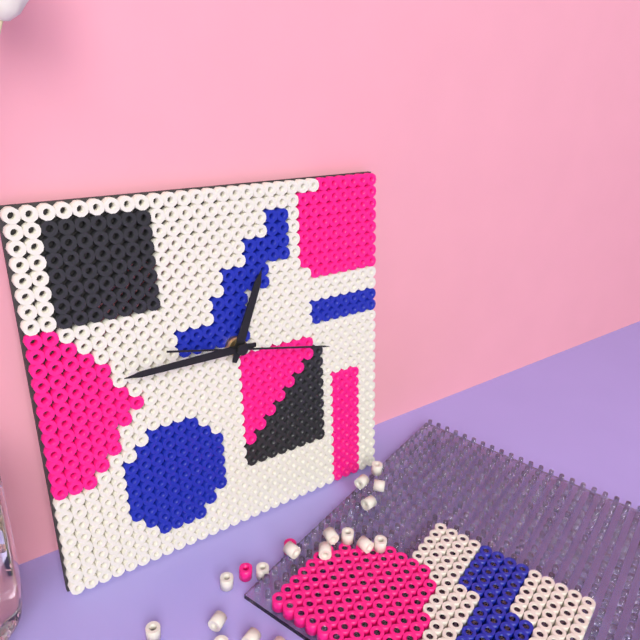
h=12 m=45 s=17
